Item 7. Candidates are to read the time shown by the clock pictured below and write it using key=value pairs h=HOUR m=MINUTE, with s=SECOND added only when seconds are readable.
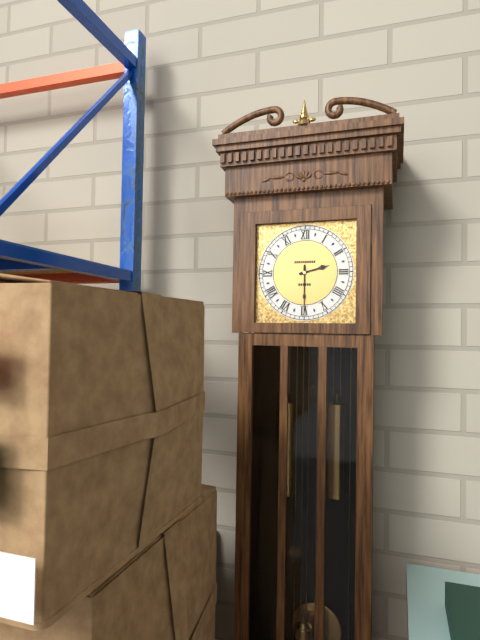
h=2 m=30
